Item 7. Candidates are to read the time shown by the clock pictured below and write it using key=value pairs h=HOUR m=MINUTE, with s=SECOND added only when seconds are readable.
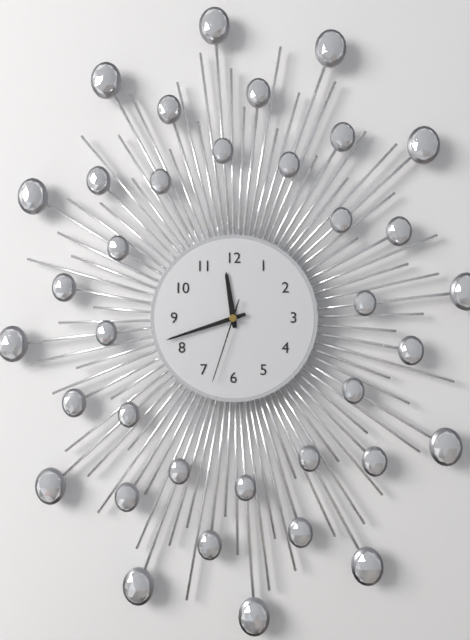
h=11 m=42 s=33
